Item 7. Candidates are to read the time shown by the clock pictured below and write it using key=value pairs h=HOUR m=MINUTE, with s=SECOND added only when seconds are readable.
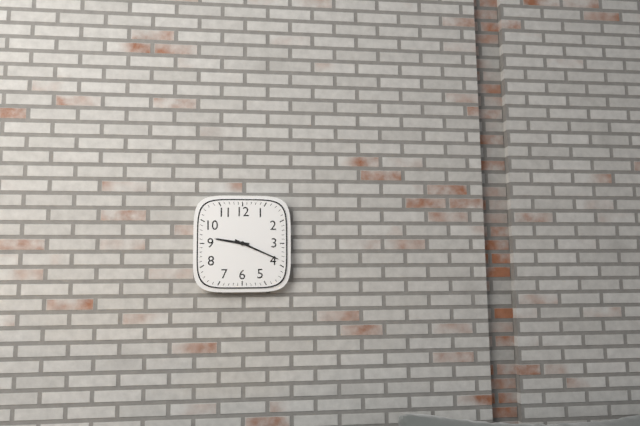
h=9 m=19
